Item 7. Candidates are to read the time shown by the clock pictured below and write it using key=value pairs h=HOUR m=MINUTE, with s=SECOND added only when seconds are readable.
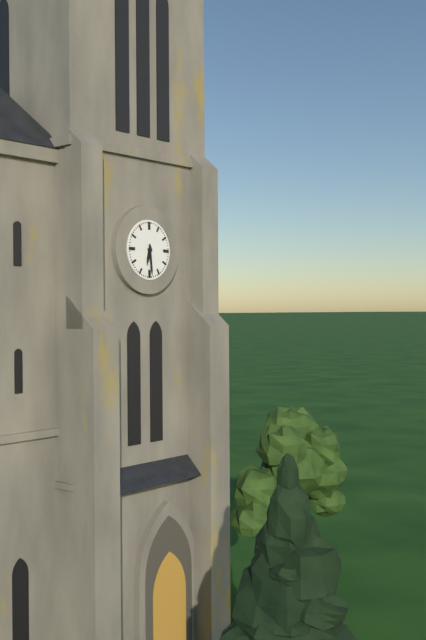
h=6 m=29
